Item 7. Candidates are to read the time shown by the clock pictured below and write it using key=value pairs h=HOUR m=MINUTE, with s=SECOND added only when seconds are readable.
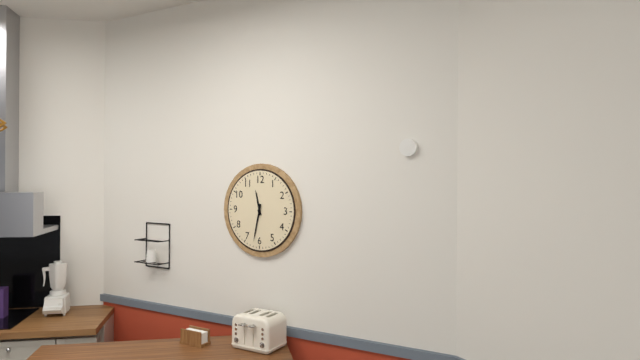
h=11 m=32
